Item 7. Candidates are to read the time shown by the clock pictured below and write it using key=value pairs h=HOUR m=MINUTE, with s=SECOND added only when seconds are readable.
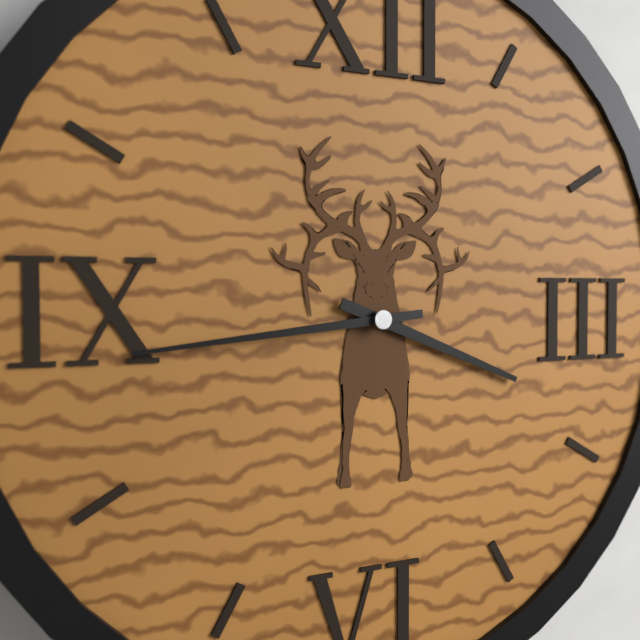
h=3 m=44
